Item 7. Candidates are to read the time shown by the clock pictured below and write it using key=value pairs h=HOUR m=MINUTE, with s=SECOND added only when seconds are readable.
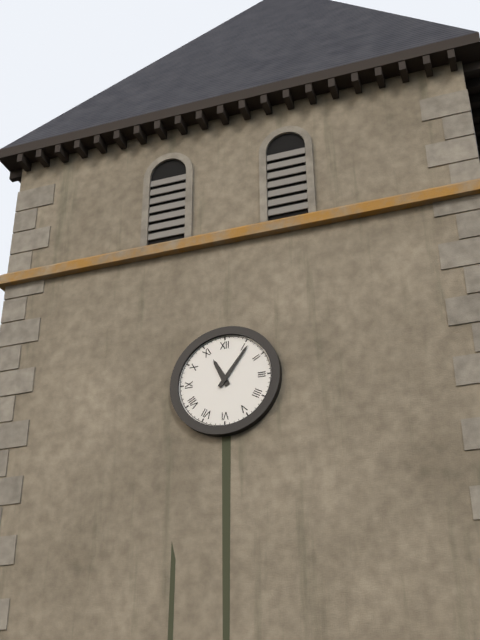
h=11 m=6
